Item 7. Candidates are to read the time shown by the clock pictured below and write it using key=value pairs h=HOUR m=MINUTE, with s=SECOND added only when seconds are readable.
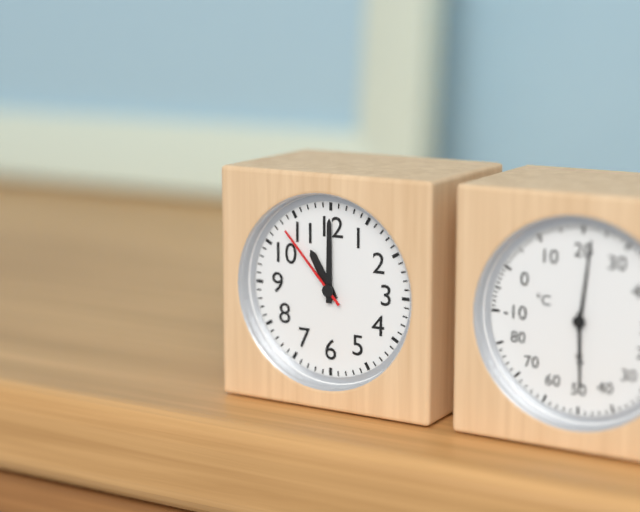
h=11 m=0 s=53
